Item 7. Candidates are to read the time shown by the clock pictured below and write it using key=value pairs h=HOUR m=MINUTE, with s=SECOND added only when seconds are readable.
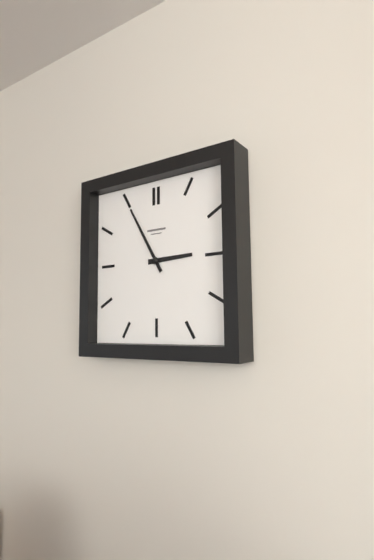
h=2 m=55
